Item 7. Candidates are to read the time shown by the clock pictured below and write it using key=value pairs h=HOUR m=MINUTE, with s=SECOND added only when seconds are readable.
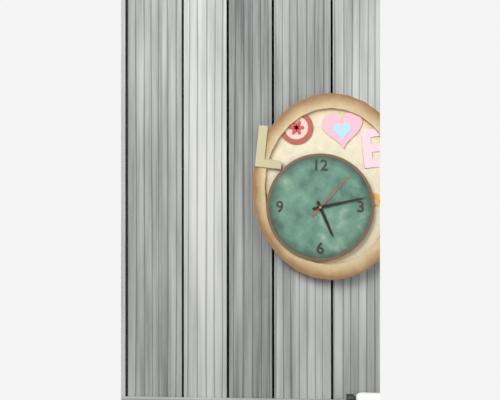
h=5 m=13 s=7
